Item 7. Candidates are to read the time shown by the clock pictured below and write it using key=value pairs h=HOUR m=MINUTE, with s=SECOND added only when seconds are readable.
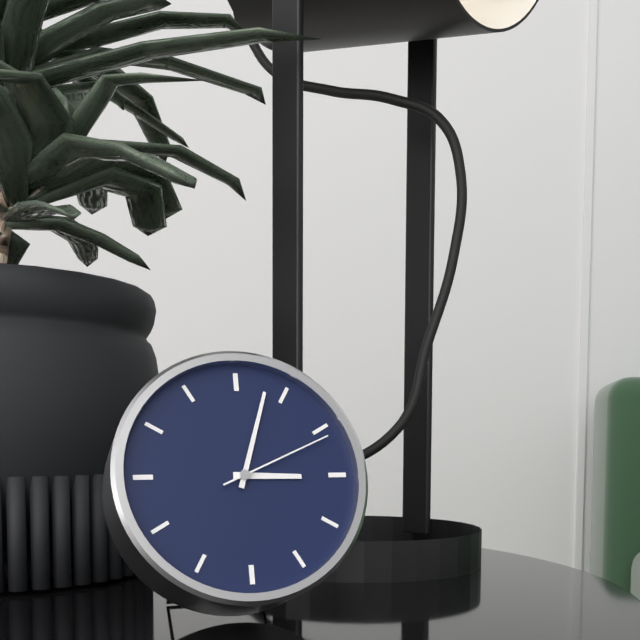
h=3 m=3 s=11
